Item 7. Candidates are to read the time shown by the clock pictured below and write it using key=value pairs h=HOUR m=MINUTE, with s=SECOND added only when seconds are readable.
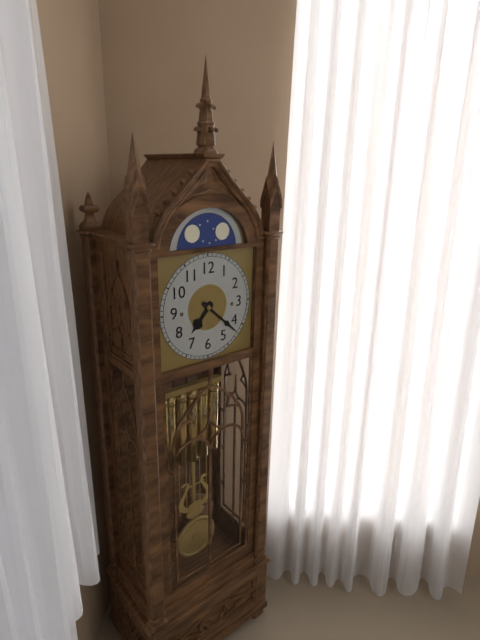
h=7 m=22
